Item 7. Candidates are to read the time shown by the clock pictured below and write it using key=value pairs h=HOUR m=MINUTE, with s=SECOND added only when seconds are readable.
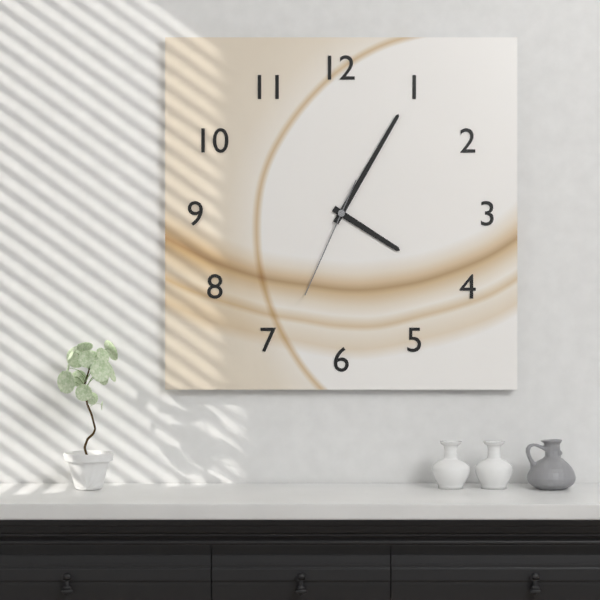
h=4 m=5 s=34
